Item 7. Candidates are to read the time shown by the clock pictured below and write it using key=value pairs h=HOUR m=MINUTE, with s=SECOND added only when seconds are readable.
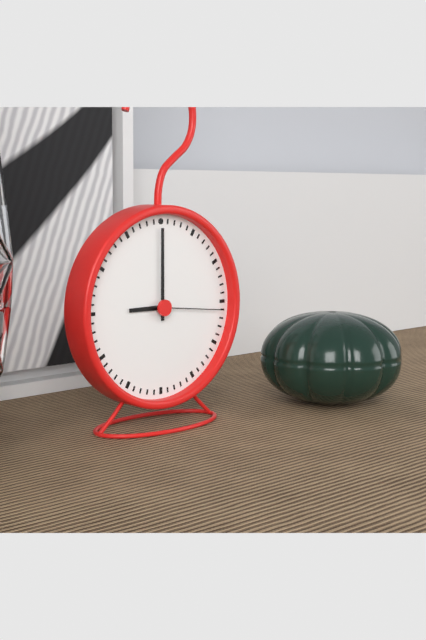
h=9 m=0 s=16
